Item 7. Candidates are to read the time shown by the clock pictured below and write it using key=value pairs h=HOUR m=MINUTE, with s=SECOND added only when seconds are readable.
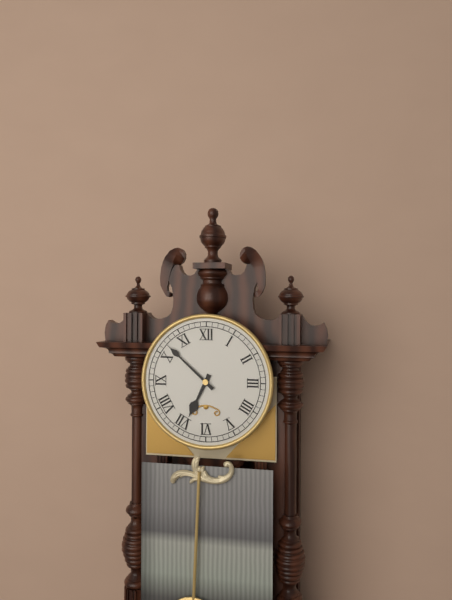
h=6 m=52
